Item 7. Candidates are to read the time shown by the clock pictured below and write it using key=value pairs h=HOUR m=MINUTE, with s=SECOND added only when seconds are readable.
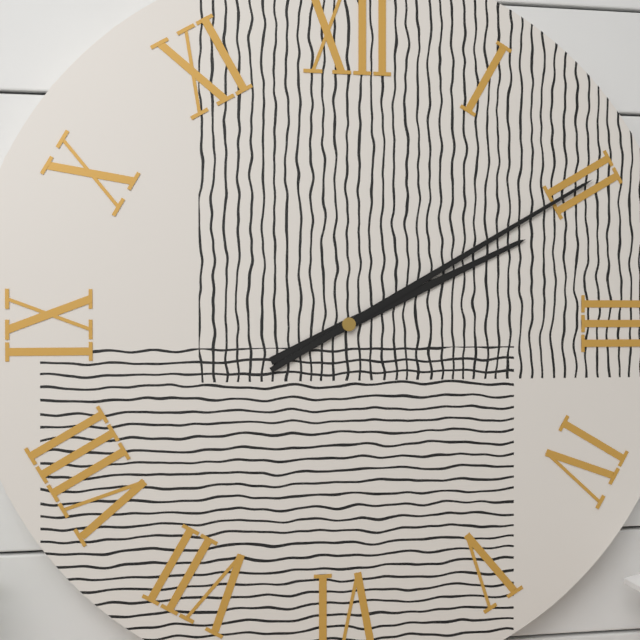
h=2 m=10
